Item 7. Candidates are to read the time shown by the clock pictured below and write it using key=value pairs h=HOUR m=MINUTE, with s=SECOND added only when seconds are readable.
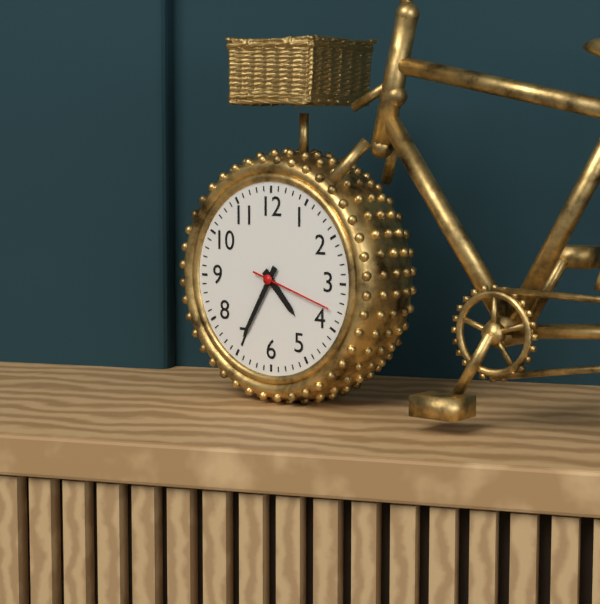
h=4 m=35 s=18
